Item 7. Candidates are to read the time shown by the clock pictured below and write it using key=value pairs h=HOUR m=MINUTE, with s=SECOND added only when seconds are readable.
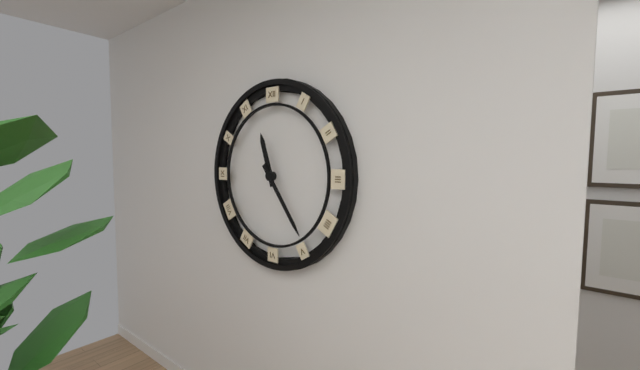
h=11 m=24
